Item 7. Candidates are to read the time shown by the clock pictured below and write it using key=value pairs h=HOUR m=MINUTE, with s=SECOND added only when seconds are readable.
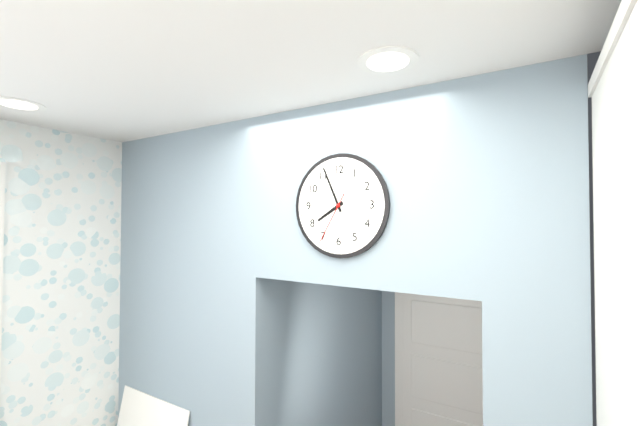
h=7 m=56 s=35
